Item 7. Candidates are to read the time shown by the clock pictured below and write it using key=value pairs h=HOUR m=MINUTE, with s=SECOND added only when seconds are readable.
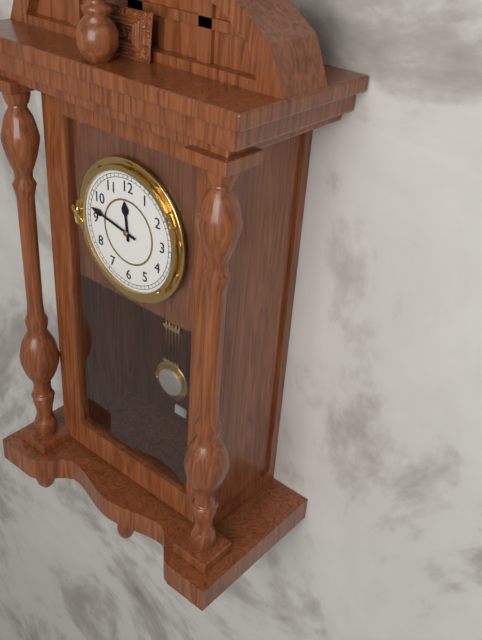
h=11 m=47
